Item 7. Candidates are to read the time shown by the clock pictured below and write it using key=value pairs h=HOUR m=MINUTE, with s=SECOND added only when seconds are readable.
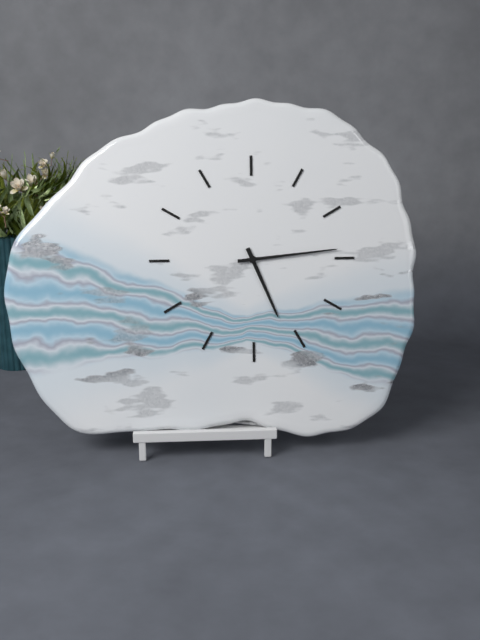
h=5 m=14
